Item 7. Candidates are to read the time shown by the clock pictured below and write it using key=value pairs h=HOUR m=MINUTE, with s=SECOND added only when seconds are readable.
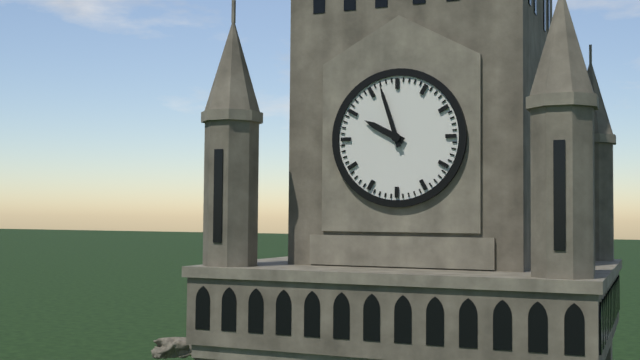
h=9 m=57
